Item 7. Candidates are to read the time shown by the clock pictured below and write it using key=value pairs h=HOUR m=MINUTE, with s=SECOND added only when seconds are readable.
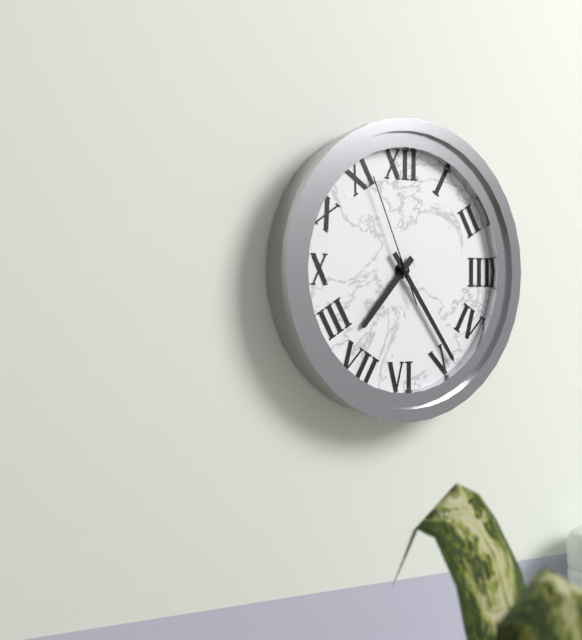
h=7 m=24 s=56
